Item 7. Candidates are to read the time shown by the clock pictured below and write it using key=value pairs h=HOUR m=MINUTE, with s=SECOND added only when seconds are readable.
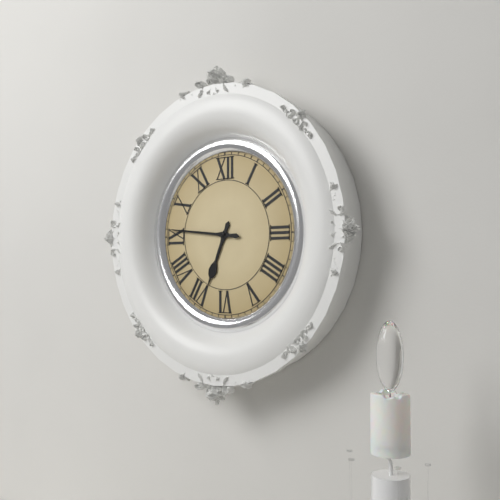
h=6 m=46
